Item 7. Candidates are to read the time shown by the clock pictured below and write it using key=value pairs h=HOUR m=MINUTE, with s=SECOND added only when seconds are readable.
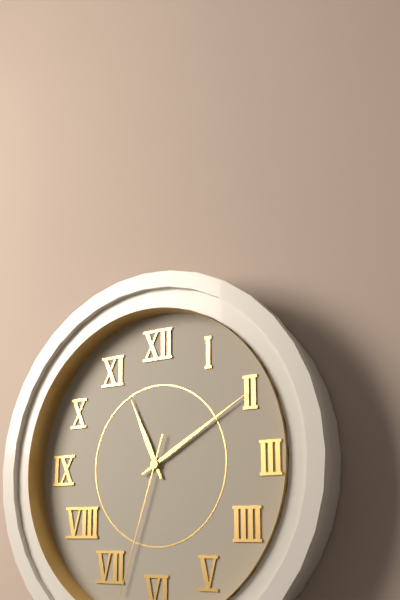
h=11 m=10 s=33
